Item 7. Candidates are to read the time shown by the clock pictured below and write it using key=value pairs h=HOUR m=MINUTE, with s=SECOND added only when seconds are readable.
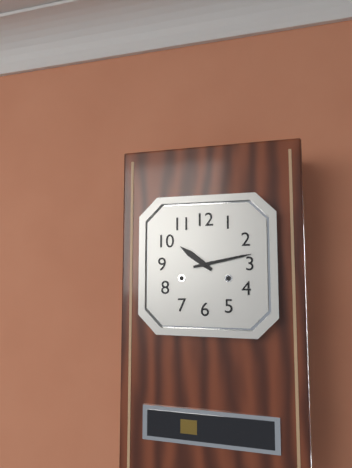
h=10 m=13
